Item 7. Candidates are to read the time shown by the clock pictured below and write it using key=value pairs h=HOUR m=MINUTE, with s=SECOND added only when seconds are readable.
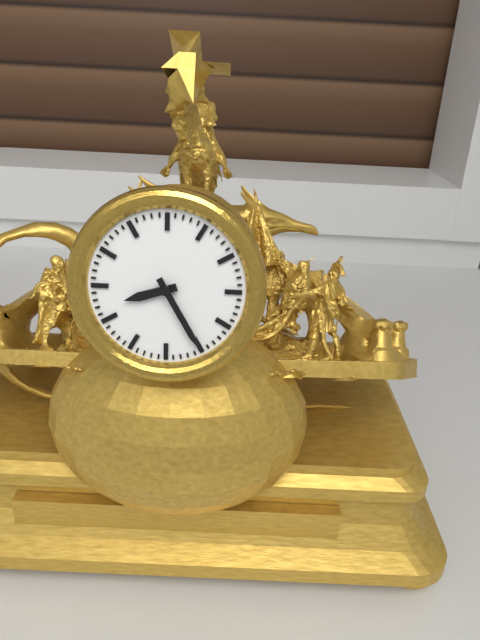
h=8 m=25
